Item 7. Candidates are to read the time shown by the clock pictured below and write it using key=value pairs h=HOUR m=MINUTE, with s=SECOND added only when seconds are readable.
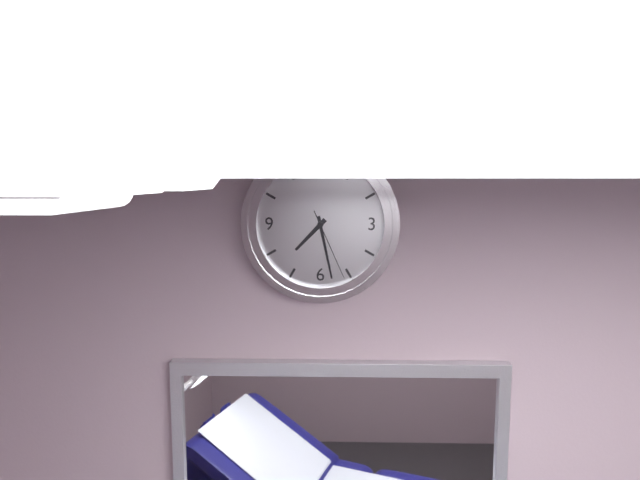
h=7 m=28 s=26
